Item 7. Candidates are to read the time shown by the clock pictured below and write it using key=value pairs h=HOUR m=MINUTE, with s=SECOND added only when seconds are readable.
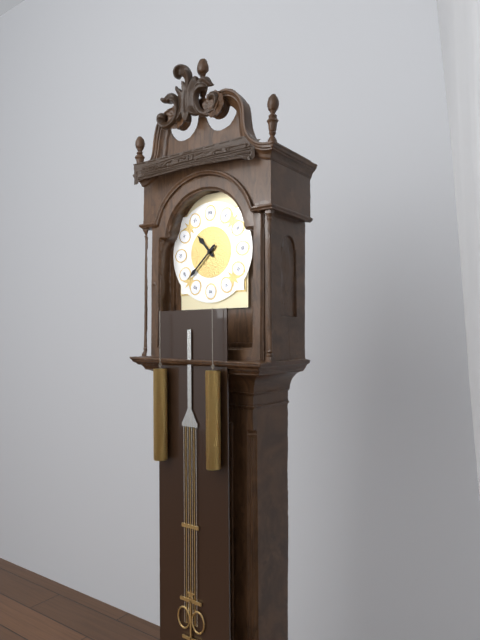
h=10 m=38
